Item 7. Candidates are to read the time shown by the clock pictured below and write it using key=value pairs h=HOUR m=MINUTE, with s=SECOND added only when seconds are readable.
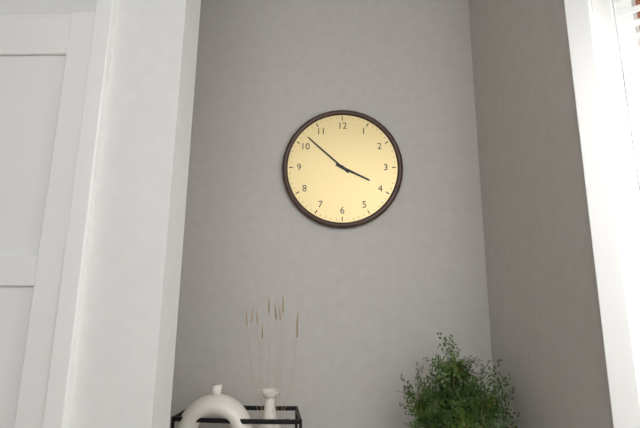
h=3 m=52
